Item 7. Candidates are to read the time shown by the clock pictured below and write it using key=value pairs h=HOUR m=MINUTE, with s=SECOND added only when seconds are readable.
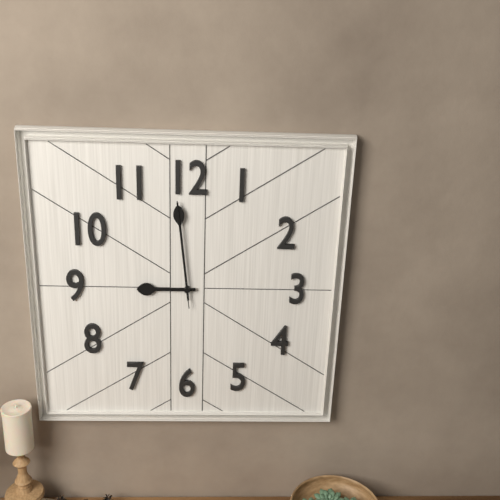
h=8 m=59 s=59
